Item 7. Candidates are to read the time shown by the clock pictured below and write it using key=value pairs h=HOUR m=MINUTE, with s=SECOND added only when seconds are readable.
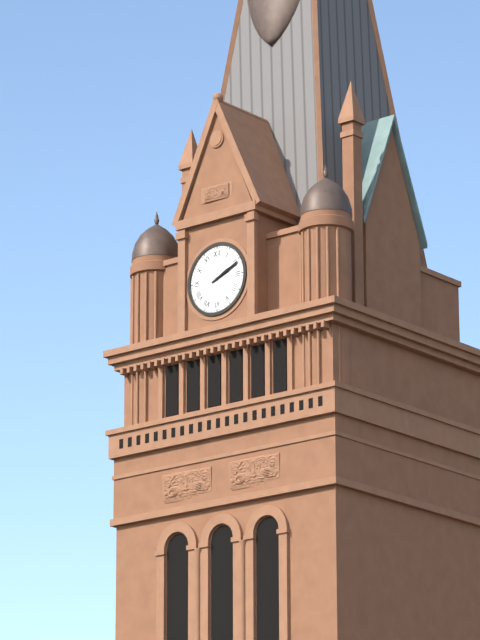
h=2 m=11
